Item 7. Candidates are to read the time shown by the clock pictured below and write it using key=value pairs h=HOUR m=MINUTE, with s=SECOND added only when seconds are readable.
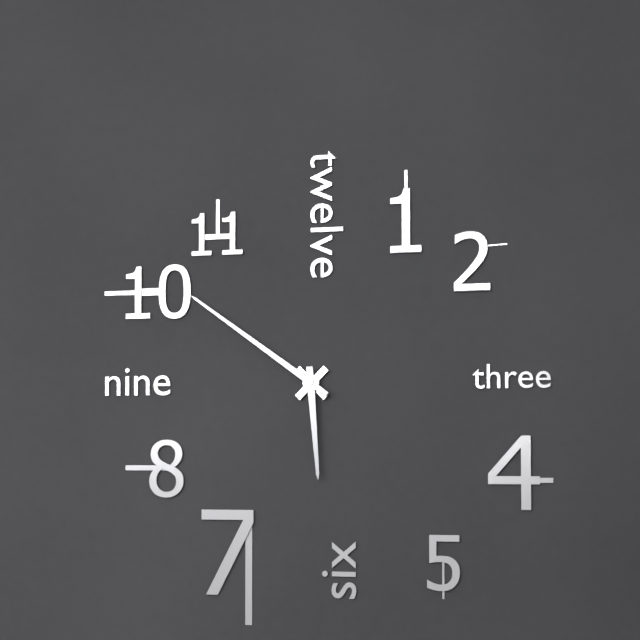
h=5 m=51
